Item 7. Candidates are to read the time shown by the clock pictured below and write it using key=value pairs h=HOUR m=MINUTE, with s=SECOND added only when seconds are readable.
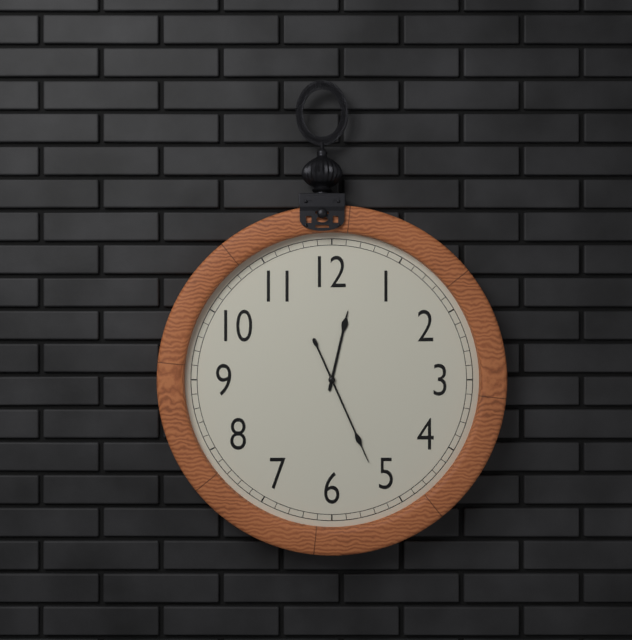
h=12 m=26
